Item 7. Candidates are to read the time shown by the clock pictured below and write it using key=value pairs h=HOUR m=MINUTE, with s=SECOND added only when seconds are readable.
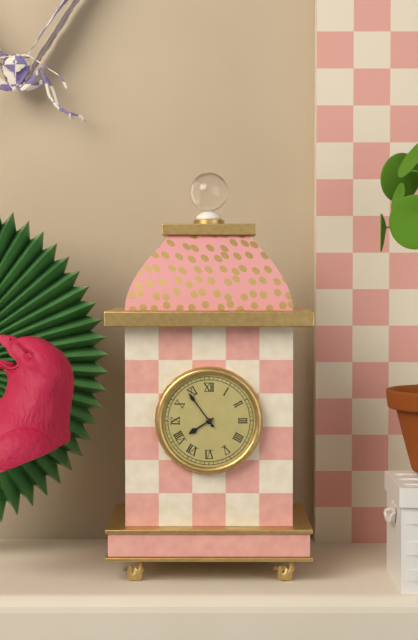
h=7 m=54
